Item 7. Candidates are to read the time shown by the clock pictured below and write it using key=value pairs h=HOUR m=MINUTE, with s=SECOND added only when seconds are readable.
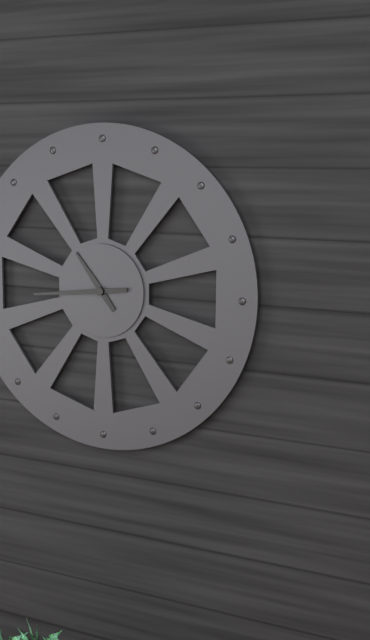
h=10 m=44
